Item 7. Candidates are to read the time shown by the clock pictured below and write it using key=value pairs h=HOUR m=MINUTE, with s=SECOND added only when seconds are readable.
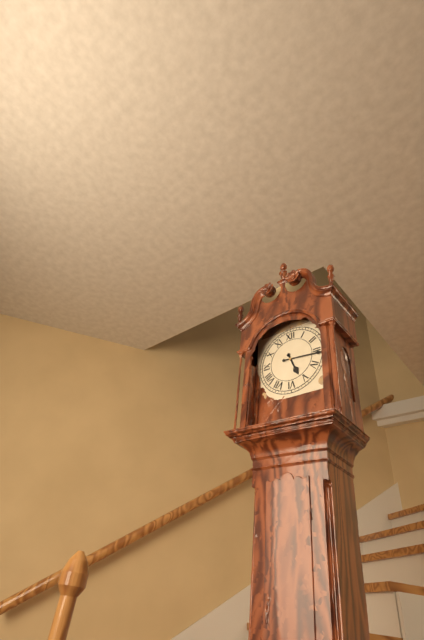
h=5 m=16
